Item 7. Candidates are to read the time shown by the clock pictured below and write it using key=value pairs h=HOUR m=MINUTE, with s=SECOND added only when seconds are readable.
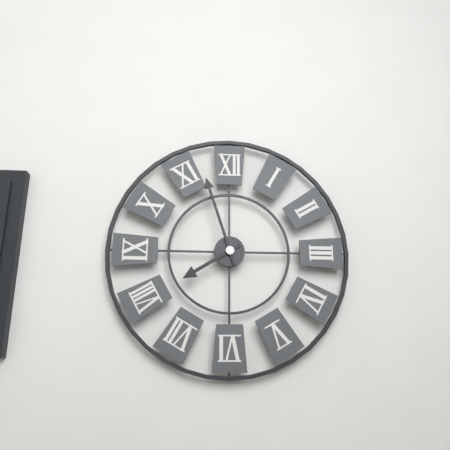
h=7 m=57
